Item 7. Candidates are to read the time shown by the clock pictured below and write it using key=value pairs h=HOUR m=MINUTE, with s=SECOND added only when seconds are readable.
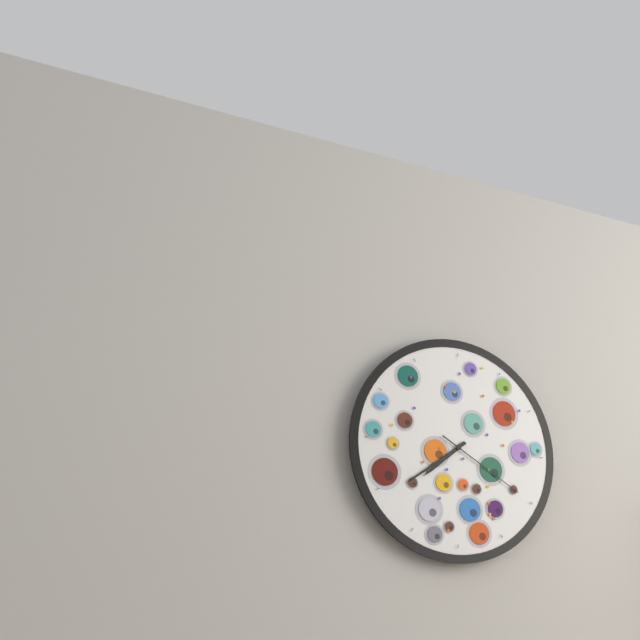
h=7 m=39 s=20
